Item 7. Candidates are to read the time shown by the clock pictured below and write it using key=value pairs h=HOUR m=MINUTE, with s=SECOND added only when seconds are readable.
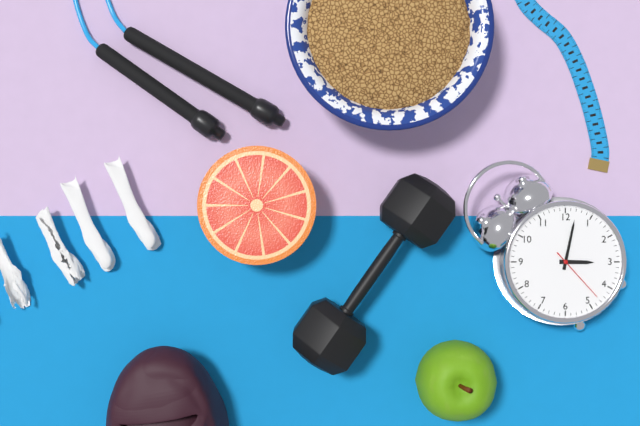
h=3 m=2 s=23
